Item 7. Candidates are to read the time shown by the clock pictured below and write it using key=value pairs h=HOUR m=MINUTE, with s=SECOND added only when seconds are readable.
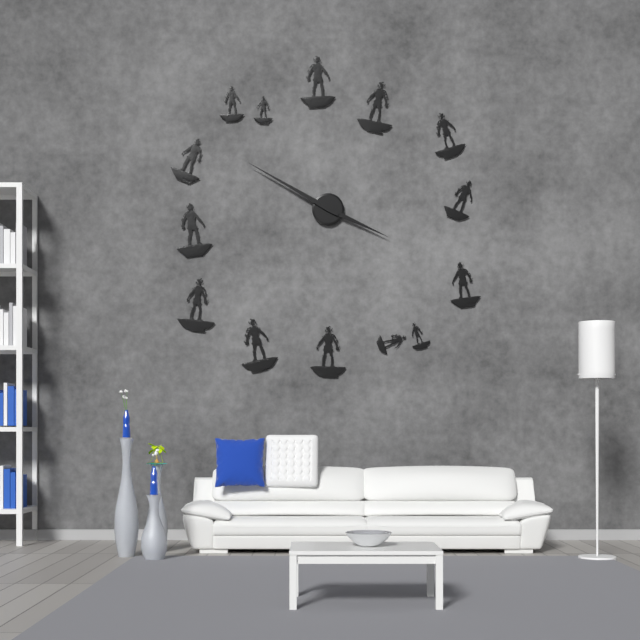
h=3 m=50
